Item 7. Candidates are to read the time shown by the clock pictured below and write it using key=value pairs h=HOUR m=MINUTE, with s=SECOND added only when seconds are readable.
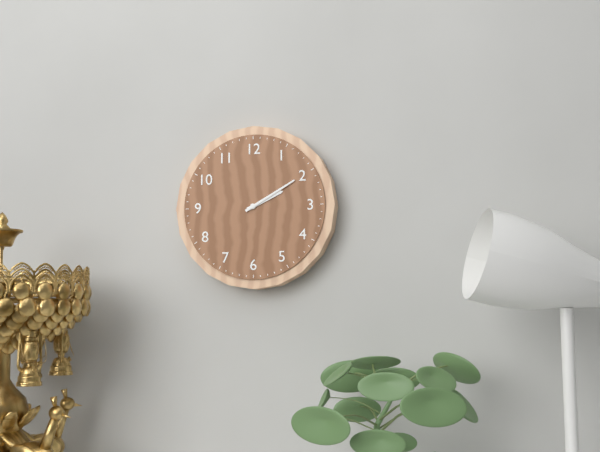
h=2 m=10
